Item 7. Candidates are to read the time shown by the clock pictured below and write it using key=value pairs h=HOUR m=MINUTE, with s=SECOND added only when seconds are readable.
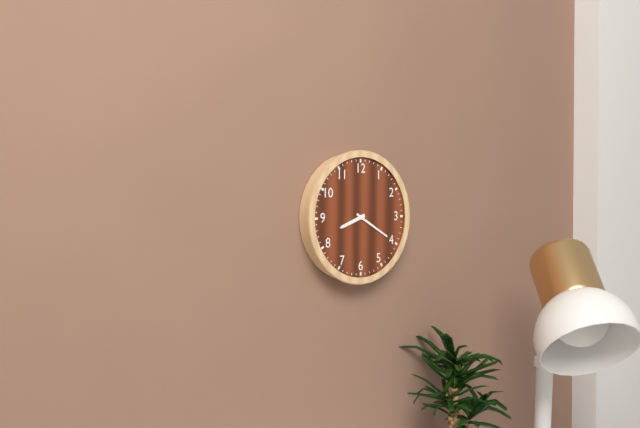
h=8 m=20
